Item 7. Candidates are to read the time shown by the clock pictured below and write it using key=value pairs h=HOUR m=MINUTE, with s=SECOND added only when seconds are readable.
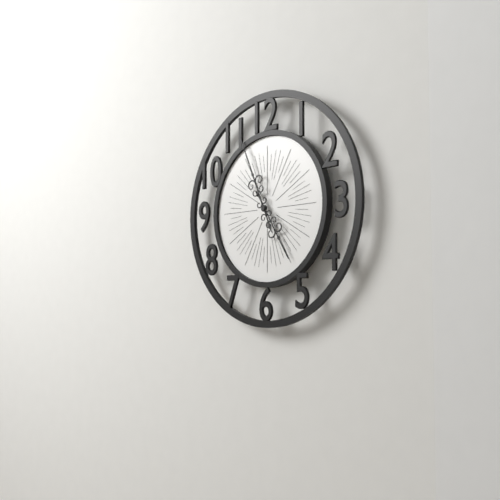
h=4 m=56
